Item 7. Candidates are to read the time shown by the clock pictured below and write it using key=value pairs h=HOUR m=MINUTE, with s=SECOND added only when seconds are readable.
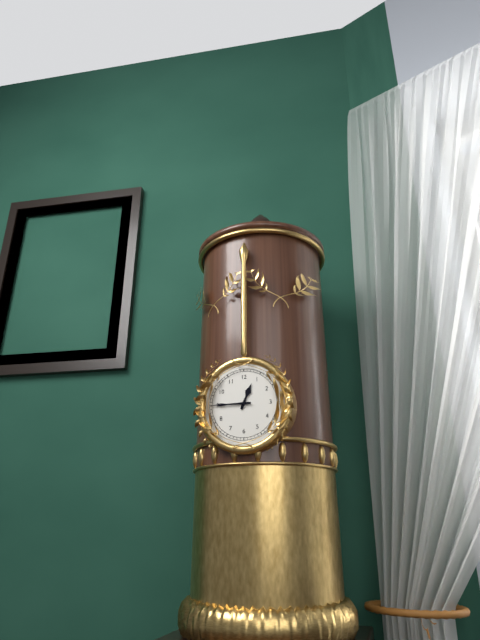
h=12 m=45
